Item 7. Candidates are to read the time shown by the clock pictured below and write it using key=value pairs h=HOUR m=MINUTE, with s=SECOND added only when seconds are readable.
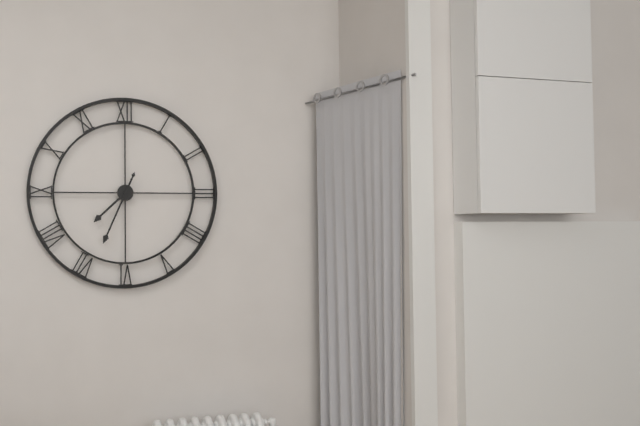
h=7 m=34
